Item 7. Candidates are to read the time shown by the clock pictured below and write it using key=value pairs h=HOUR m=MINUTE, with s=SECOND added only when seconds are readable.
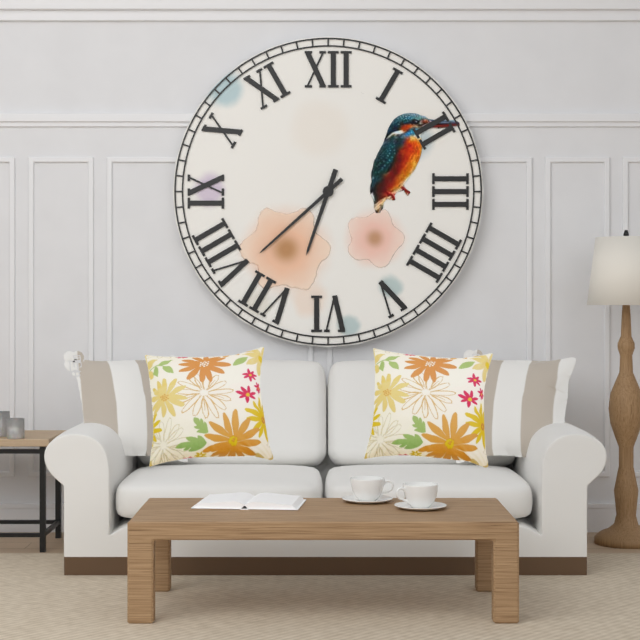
h=6 m=38
